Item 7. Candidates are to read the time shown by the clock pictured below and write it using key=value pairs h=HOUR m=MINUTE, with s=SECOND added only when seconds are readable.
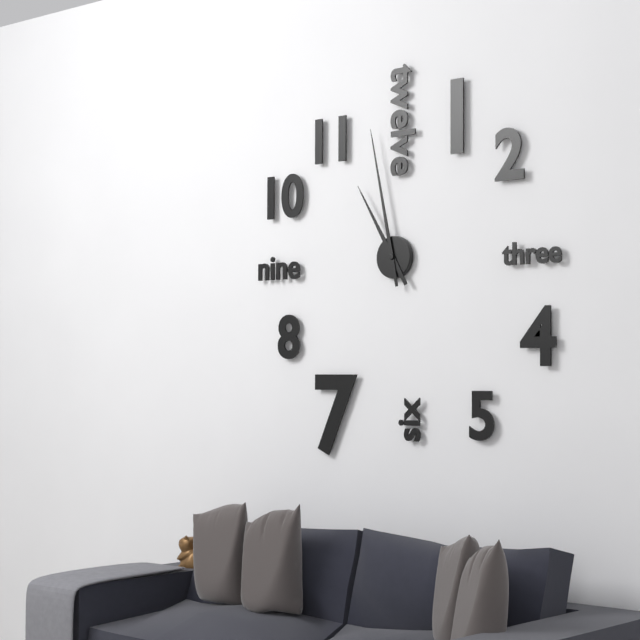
h=10 m=58
